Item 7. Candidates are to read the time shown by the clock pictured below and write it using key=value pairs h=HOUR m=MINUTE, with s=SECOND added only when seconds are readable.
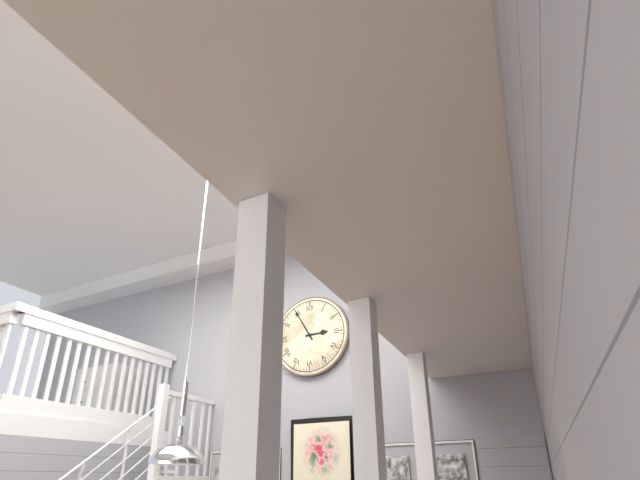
h=2 m=55
